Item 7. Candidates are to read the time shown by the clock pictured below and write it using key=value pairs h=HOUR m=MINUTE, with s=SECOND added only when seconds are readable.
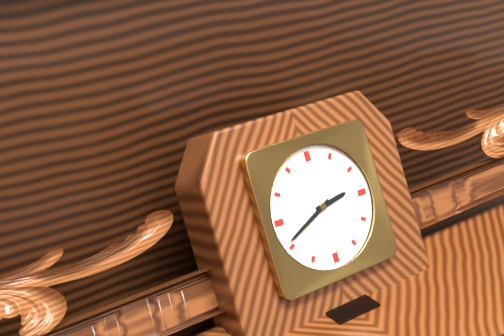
h=2 m=41
